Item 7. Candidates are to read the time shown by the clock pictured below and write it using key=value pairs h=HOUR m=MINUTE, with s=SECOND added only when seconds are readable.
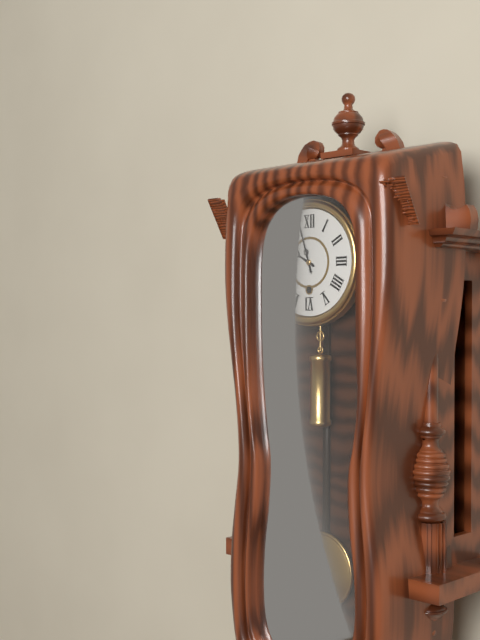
h=9 m=57
